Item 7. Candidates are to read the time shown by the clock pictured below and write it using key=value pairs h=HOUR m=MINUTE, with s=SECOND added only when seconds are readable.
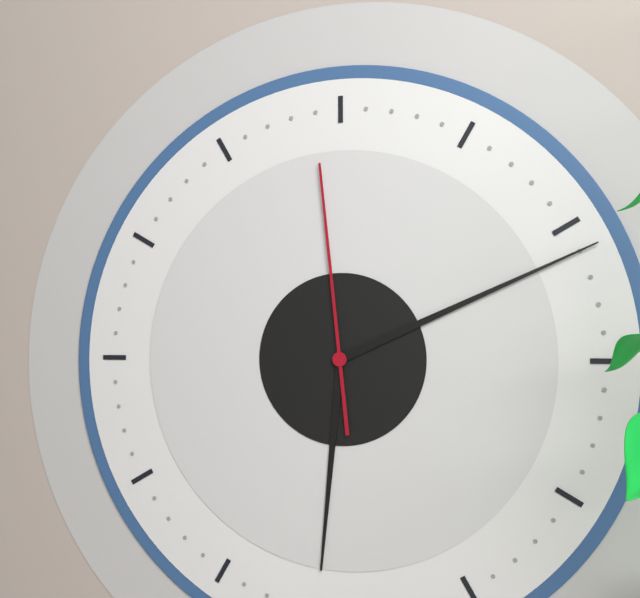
h=6 m=11 s=59
